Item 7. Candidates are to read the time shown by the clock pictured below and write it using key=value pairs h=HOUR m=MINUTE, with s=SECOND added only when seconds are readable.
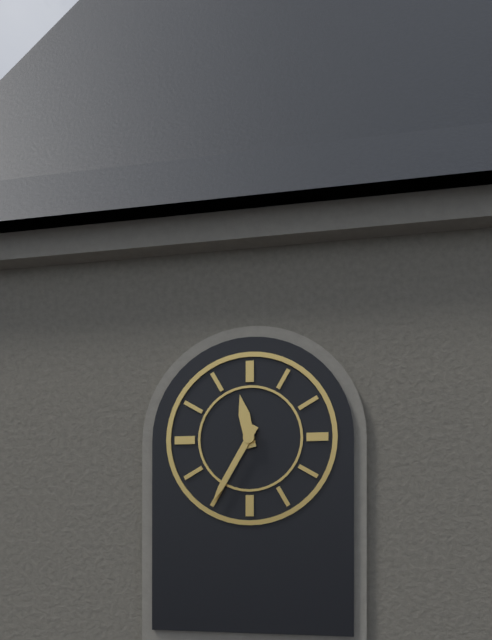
h=11 m=35
